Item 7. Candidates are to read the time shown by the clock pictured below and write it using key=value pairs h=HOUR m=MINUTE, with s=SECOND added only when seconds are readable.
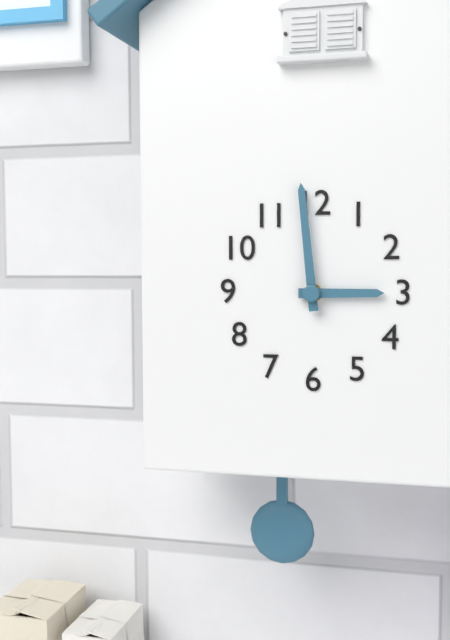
h=2 m=59
